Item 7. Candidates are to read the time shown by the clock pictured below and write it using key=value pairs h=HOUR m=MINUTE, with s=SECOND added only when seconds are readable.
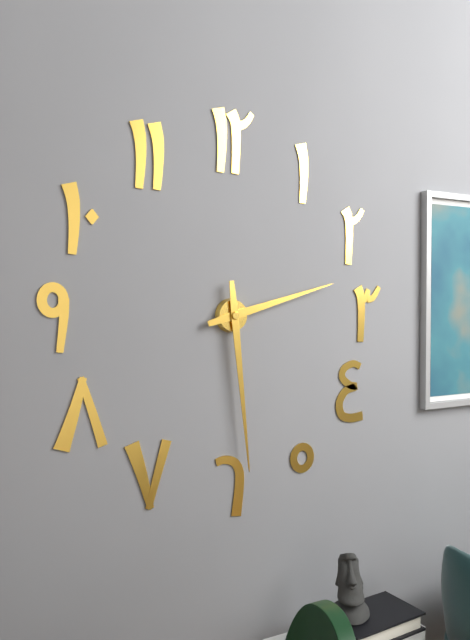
h=2 m=29
